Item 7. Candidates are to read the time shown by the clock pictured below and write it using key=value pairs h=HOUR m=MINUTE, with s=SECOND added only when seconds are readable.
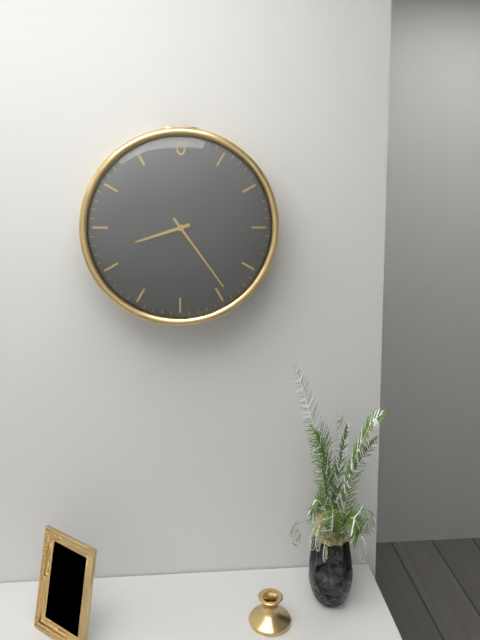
h=8 m=24
